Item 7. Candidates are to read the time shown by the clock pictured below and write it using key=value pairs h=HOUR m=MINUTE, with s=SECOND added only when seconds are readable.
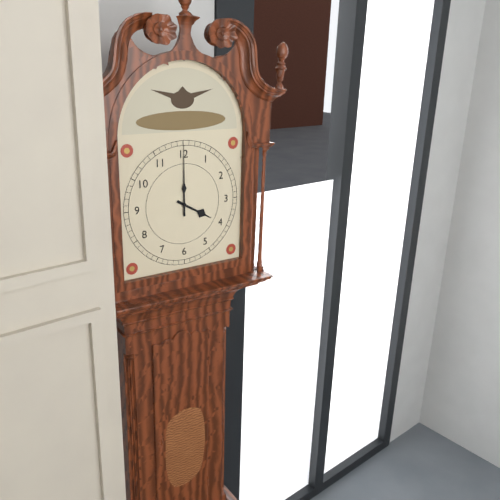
h=4 m=0
